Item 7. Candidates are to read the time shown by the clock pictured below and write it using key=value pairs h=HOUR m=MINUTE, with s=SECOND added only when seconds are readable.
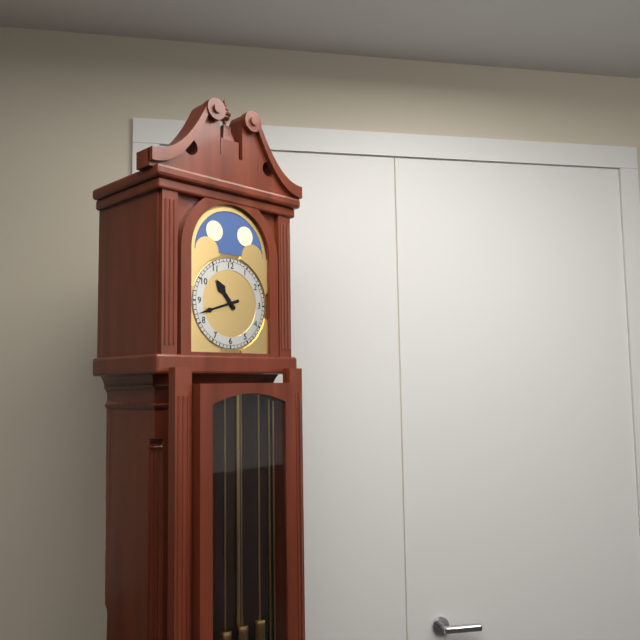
h=10 m=42
